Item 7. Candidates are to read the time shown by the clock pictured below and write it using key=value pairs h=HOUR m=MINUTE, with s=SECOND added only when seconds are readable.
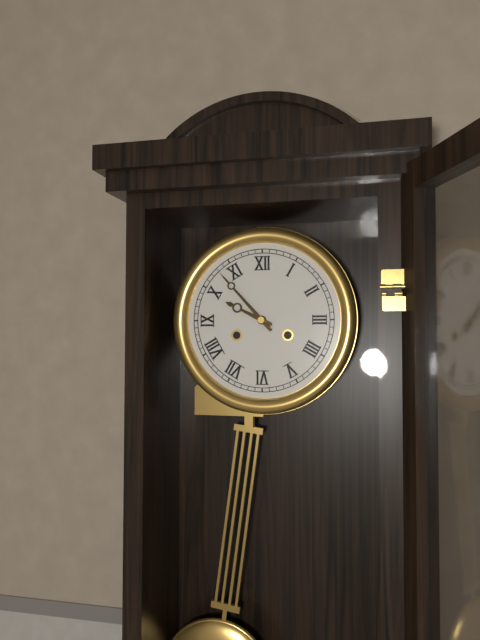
h=9 m=53
